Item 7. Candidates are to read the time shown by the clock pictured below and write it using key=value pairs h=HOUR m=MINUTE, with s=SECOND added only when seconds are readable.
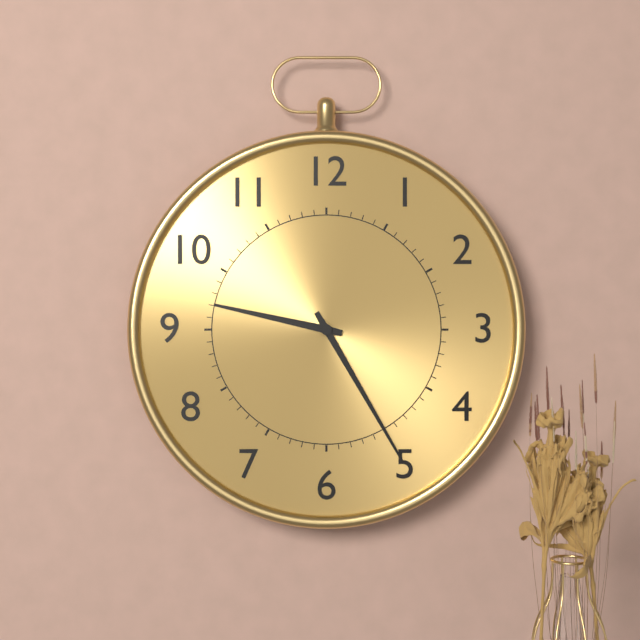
h=9 m=25
